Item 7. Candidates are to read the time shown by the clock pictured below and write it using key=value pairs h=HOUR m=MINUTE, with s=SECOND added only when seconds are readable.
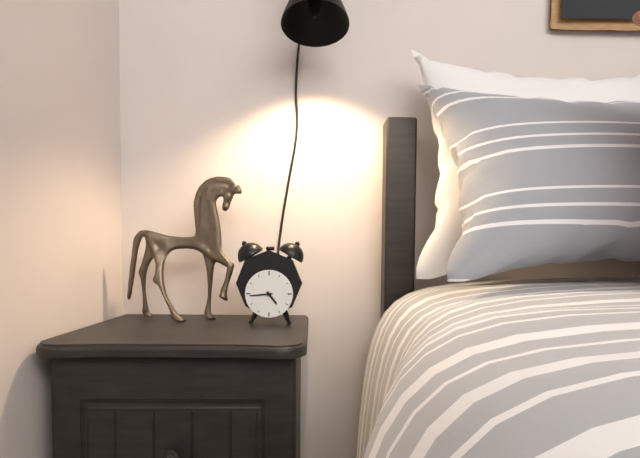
h=4 m=44
